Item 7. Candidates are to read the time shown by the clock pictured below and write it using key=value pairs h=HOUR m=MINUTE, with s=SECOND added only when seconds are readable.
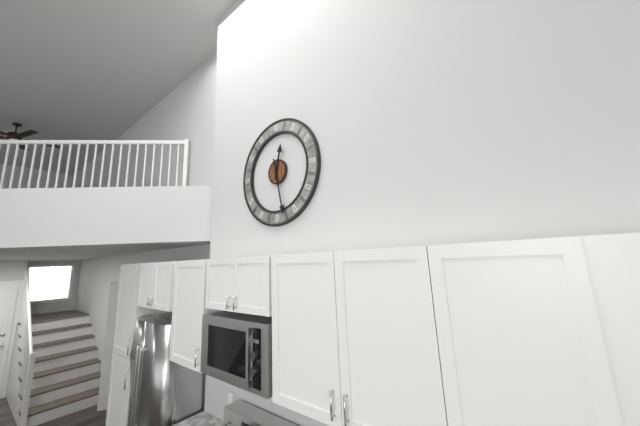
h=12 m=28
